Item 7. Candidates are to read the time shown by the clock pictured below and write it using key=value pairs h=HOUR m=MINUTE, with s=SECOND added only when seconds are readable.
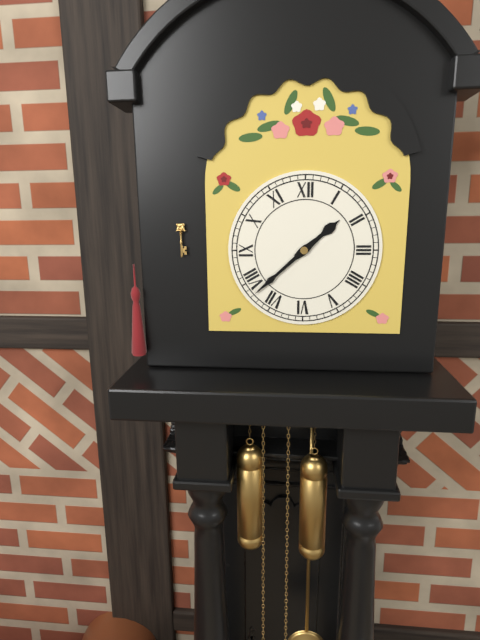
h=1 m=38
